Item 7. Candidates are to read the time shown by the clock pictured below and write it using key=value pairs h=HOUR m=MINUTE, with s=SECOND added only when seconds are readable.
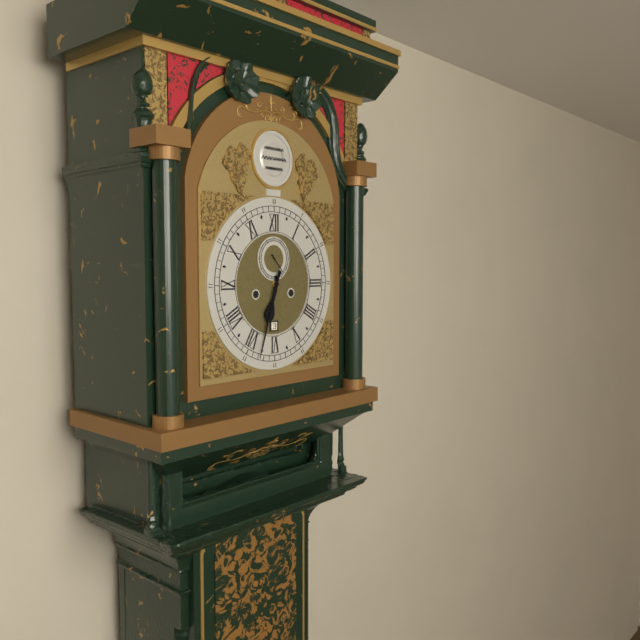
h=6 m=33
